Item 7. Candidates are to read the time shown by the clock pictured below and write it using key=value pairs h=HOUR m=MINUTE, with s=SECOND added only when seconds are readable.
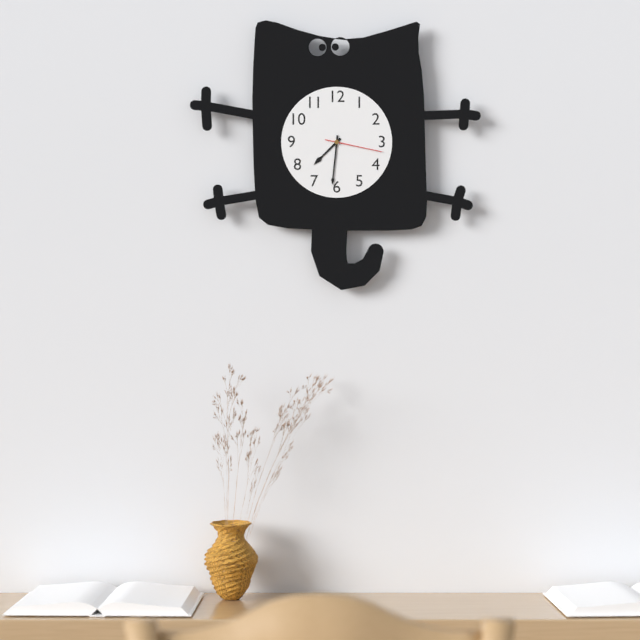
h=7 m=31 s=17
